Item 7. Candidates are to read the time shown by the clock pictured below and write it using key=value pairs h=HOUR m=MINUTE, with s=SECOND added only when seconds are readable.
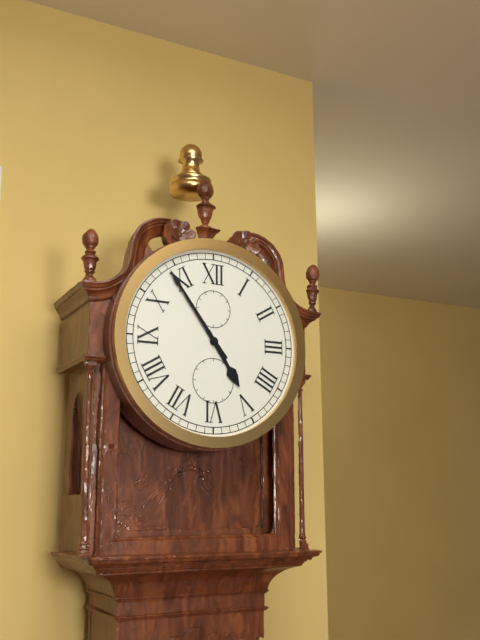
h=4 m=54
